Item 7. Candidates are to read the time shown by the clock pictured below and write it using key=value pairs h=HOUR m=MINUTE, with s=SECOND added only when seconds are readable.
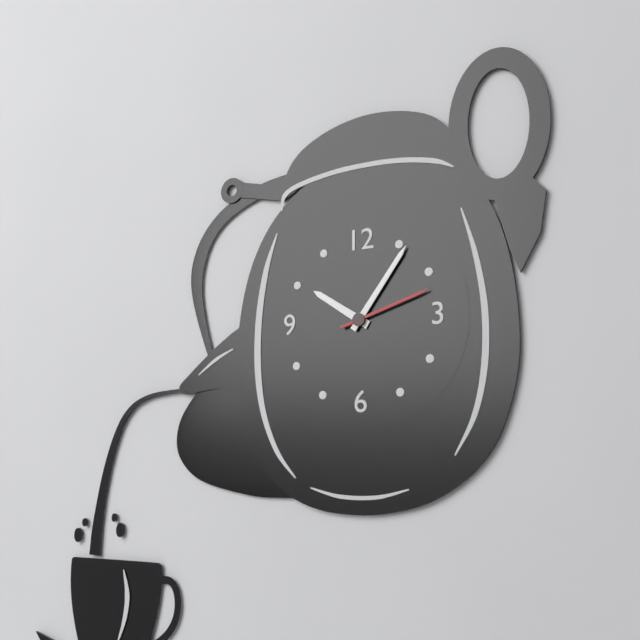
h=10 m=6 s=12
